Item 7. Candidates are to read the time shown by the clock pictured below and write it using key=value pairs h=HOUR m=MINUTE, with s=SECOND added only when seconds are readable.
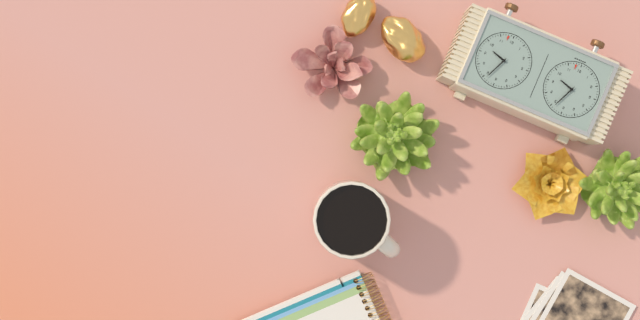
h=9 m=34
